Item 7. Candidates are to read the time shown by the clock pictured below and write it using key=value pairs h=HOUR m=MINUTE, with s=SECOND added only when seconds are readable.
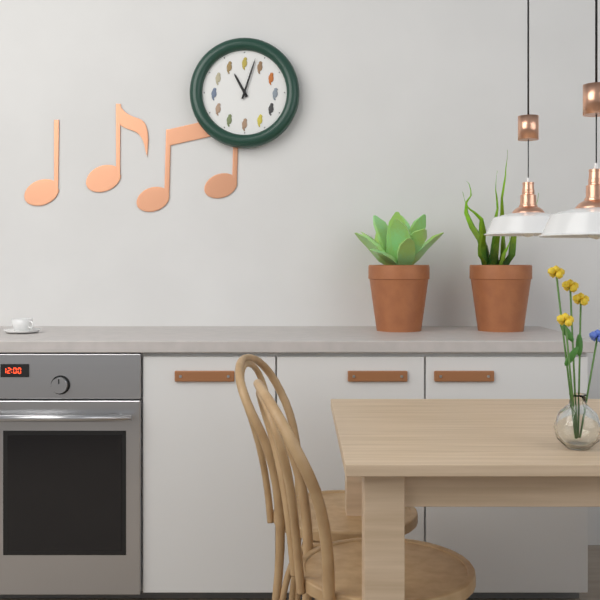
h=11 m=3
